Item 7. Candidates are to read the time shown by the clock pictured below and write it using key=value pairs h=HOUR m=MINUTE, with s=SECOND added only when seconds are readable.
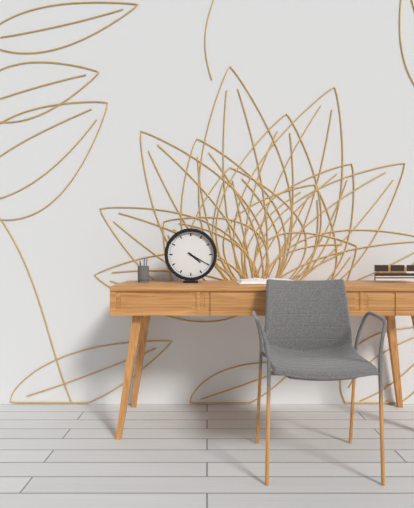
h=4 m=20
